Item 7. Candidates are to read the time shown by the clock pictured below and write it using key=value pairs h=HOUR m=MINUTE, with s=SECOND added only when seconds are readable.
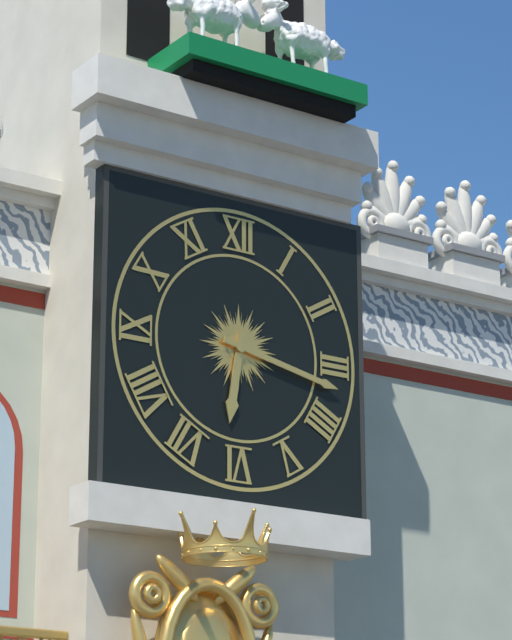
h=6 m=17
